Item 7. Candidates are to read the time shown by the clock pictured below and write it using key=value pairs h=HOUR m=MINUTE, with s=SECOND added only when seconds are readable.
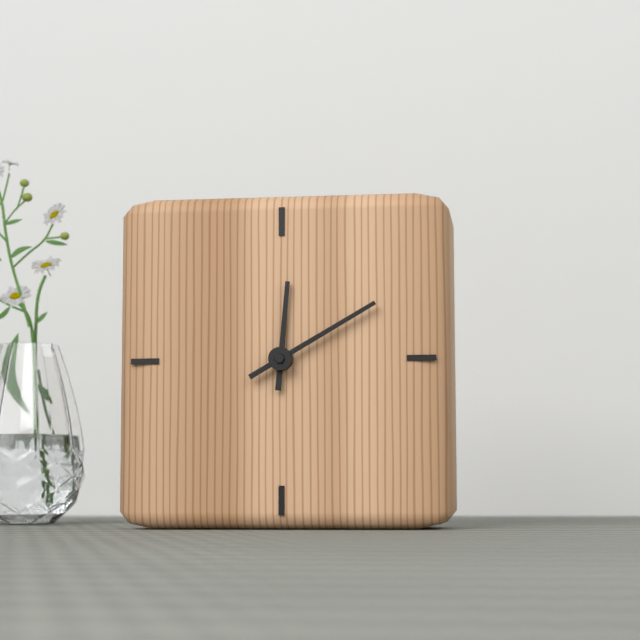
h=12 m=10
